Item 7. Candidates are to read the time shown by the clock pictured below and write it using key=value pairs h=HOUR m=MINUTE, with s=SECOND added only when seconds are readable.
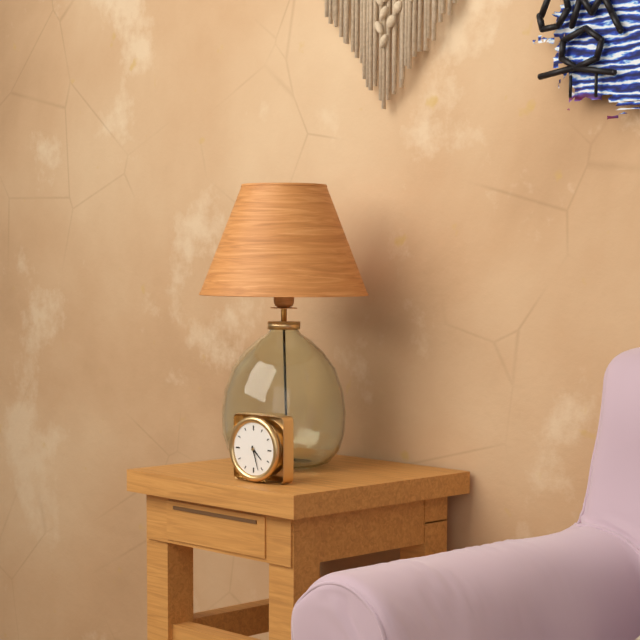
h=4 m=27
